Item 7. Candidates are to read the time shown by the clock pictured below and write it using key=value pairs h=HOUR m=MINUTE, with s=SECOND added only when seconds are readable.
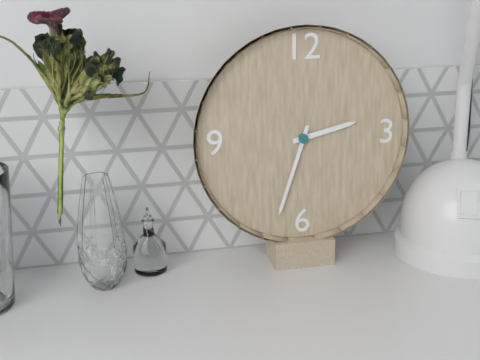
h=2 m=33
